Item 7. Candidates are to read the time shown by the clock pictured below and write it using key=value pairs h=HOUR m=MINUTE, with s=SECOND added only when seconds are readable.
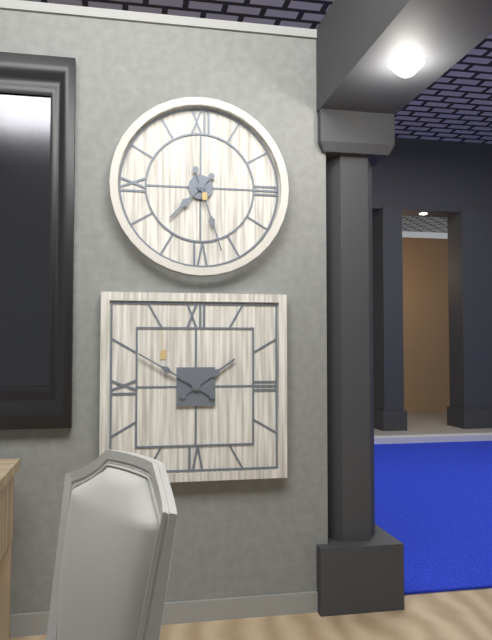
h=7 m=27
